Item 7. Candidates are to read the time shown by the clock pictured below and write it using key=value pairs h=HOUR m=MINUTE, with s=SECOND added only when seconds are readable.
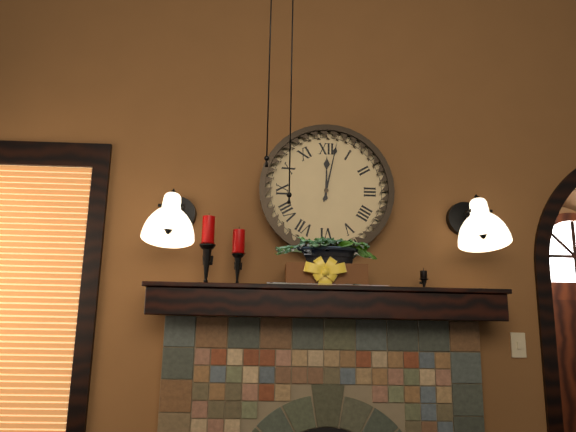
h=12 m=2
